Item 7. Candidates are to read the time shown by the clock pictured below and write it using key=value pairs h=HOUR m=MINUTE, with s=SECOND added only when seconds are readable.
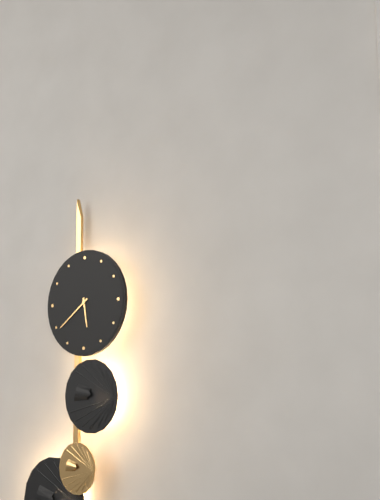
h=5 m=39
